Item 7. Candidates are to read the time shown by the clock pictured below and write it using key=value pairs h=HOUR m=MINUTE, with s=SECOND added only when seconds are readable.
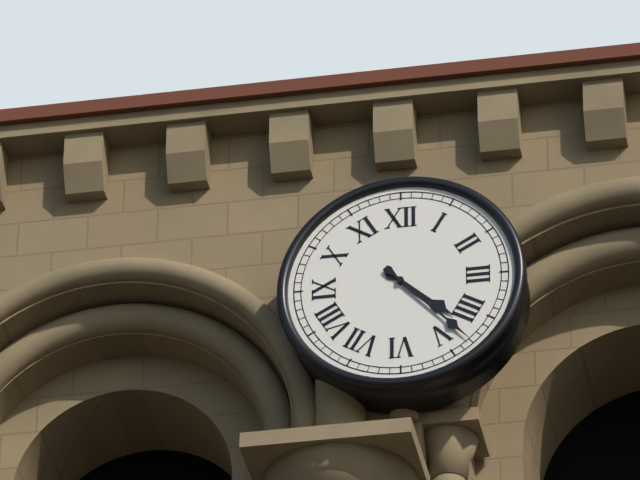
h=4 m=23
